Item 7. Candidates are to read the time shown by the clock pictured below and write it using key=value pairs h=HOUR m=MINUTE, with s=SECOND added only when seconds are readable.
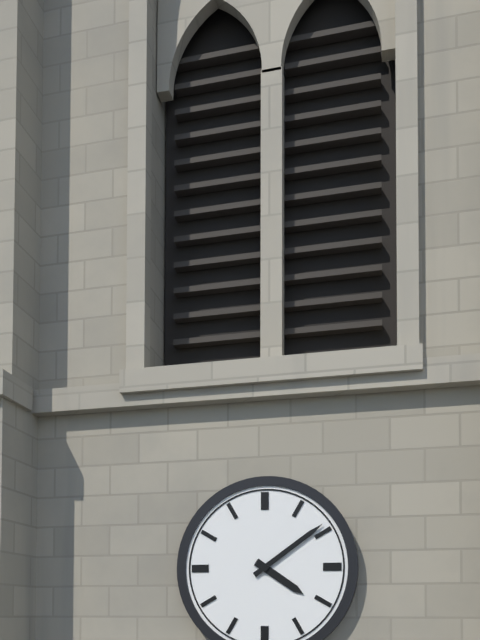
h=4 m=9
